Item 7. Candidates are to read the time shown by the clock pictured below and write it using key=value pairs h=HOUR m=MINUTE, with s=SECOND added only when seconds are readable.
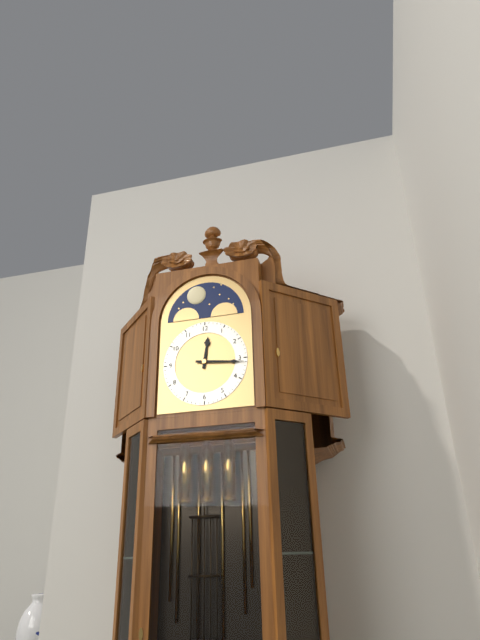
h=12 m=16
